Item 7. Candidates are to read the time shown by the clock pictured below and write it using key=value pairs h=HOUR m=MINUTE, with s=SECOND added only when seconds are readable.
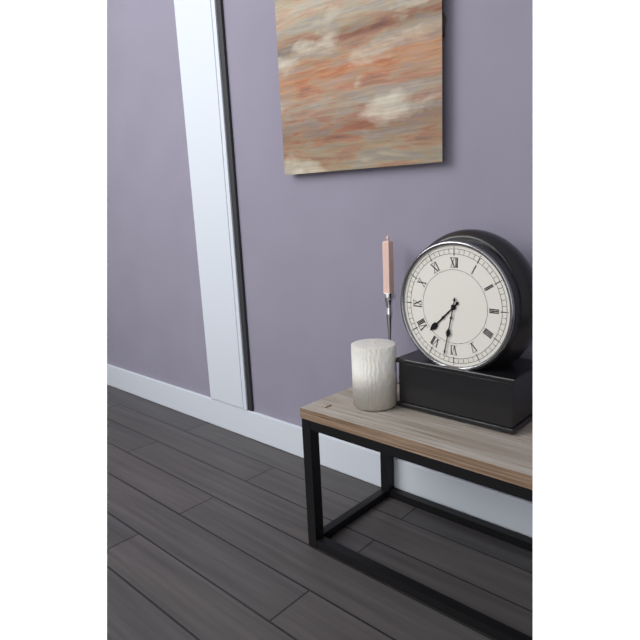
h=7 m=32
